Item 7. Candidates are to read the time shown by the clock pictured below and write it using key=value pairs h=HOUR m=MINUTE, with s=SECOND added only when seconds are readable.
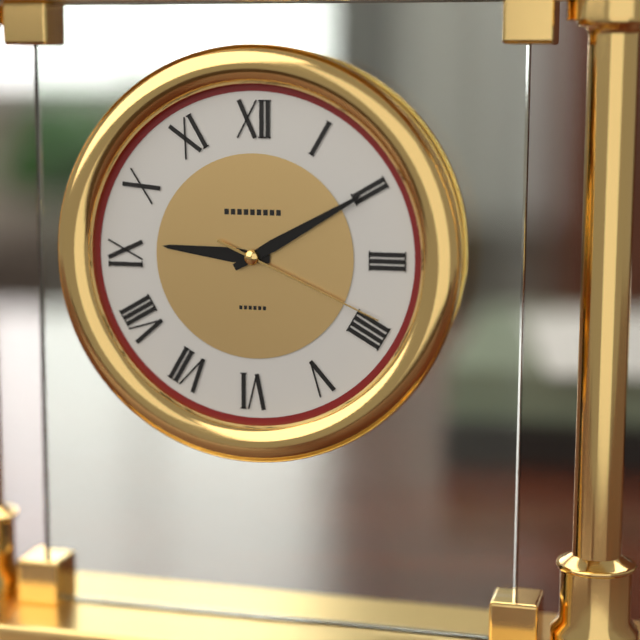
h=9 m=10 s=19
